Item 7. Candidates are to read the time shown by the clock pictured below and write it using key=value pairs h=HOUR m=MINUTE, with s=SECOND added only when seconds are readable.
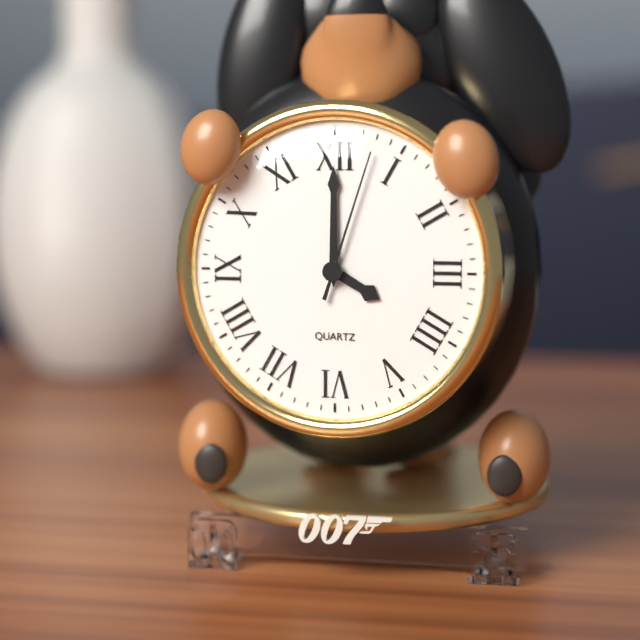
h=4 m=0 s=3
